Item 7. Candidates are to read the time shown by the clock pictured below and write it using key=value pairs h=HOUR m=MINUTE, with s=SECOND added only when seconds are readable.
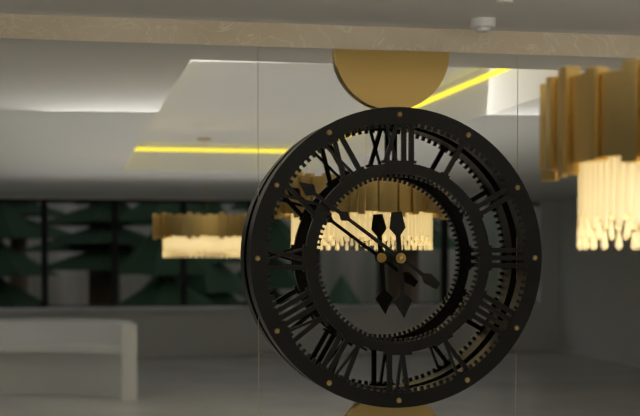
h=5 m=51
